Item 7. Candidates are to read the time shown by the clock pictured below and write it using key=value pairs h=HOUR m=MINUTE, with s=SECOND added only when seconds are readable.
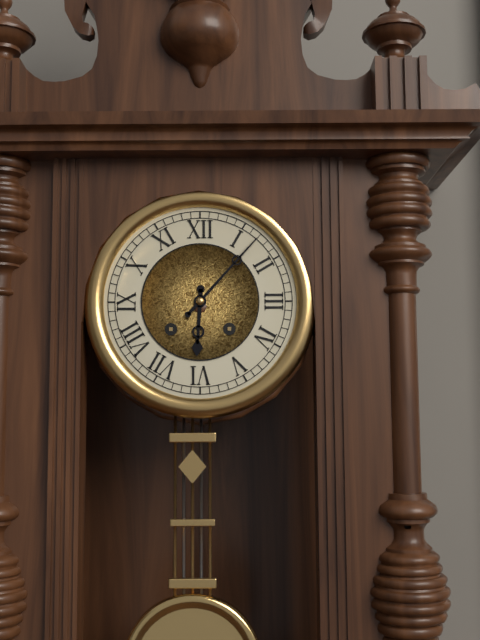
h=6 m=7
